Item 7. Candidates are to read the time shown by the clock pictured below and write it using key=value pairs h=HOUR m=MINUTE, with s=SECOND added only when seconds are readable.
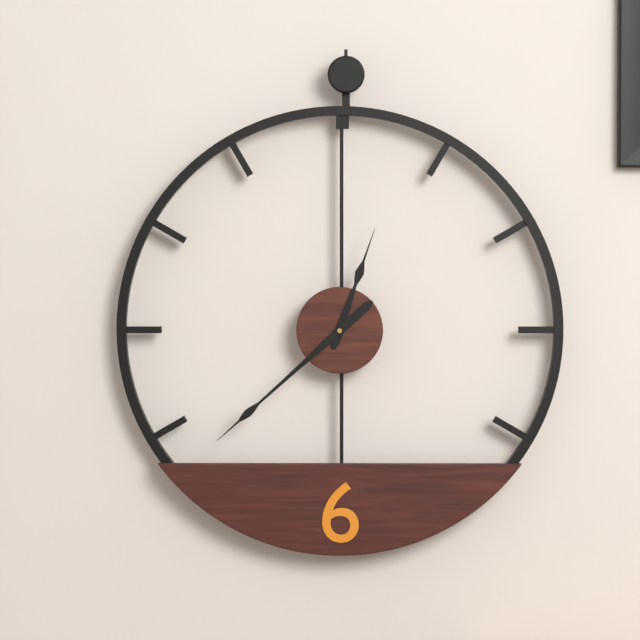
h=12 m=38
